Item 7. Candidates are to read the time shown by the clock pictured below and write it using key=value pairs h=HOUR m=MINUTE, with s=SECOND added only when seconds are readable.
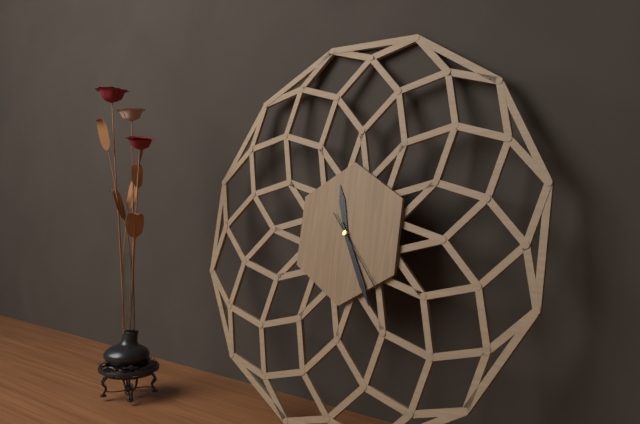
h=11 m=25 s=23
